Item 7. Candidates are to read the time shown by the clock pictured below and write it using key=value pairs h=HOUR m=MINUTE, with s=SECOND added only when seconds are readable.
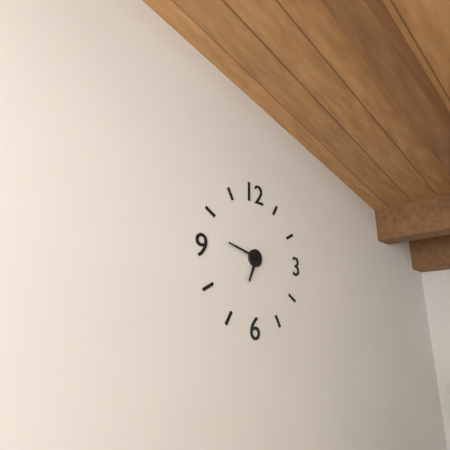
h=6 m=47
